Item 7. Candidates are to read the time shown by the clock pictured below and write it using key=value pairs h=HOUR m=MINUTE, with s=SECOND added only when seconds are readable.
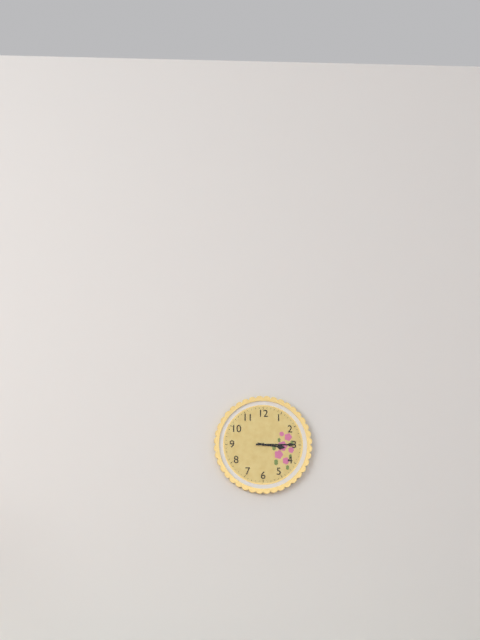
h=3 m=15
